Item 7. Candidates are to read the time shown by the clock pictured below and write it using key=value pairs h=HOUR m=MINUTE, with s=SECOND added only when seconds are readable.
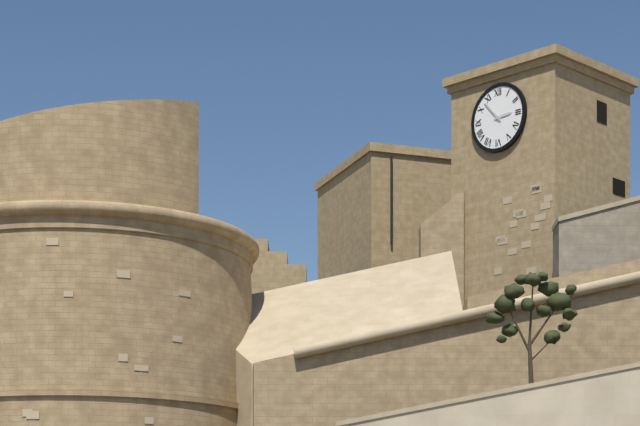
h=2 m=53
